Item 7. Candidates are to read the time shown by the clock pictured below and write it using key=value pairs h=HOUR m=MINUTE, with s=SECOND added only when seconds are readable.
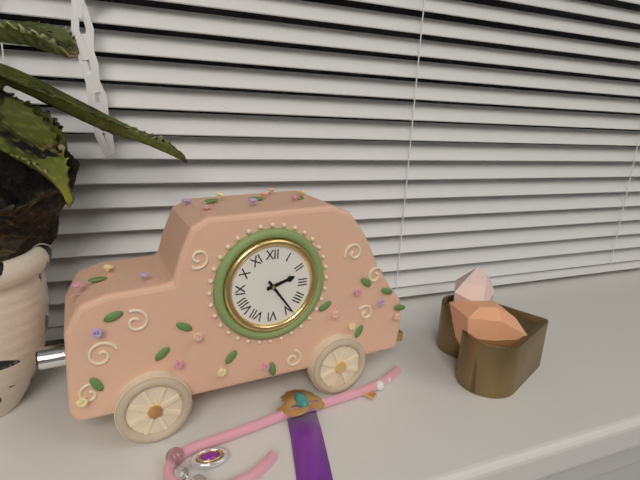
h=2 m=24
